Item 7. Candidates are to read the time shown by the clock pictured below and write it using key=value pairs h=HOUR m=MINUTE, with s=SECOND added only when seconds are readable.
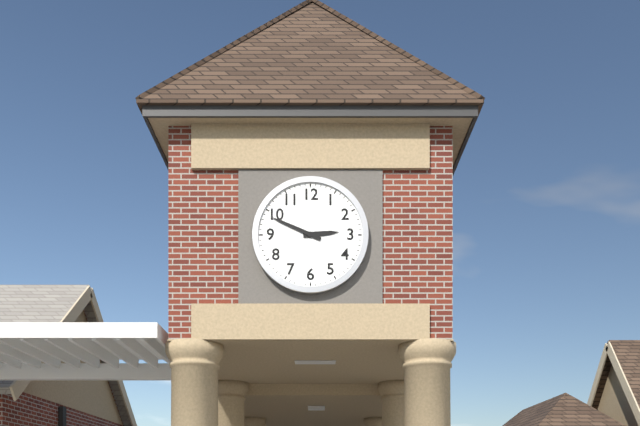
h=2 m=49
